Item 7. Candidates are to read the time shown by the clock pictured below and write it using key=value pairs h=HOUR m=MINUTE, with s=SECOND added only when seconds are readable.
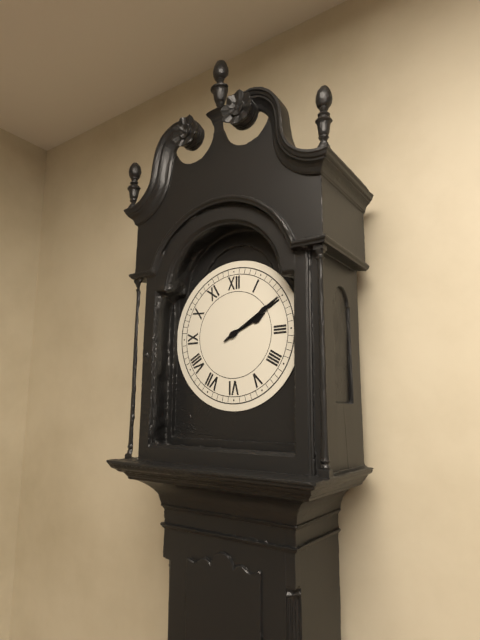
h=2 m=10
